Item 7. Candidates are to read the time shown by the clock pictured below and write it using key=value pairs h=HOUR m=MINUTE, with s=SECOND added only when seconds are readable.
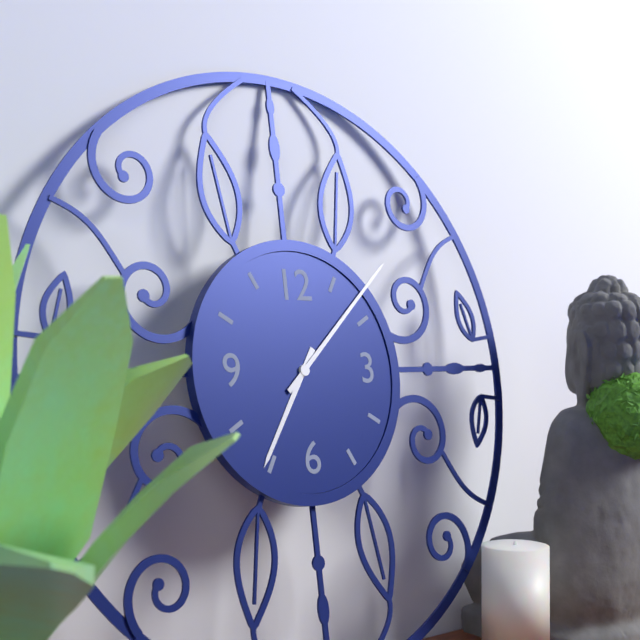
h=7 m=8
